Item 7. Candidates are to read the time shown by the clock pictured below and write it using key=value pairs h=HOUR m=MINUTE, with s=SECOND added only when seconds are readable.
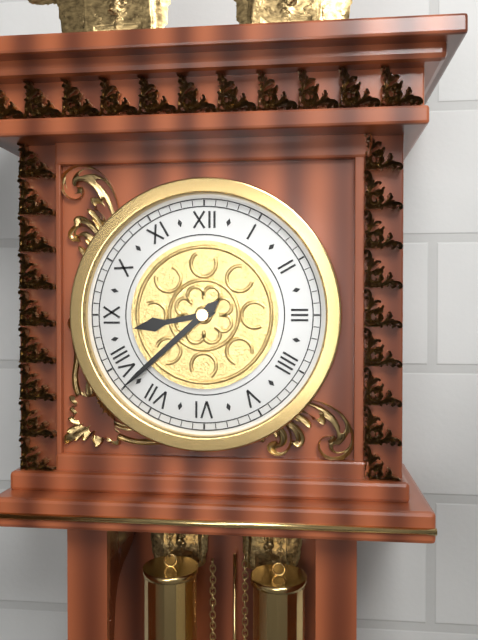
h=8 m=38
